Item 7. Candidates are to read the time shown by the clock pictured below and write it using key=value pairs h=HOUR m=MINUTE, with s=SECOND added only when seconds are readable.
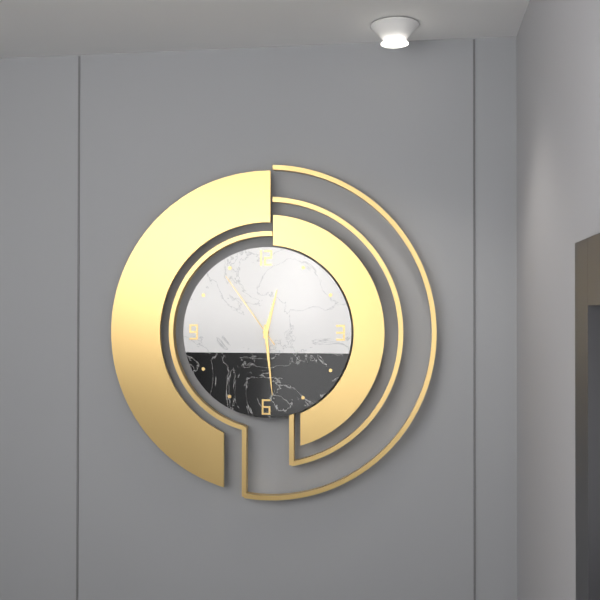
h=12 m=29 s=54
